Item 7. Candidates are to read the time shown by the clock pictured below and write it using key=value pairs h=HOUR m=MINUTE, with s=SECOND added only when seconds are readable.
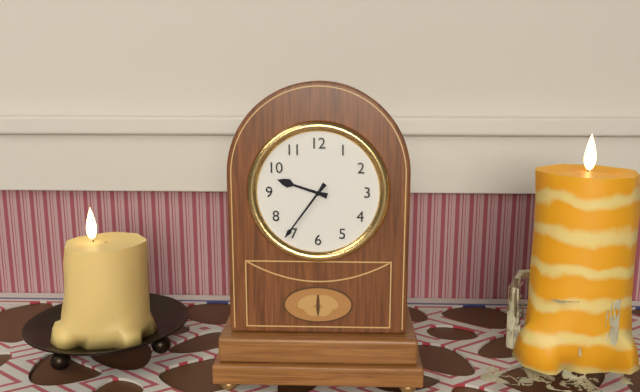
h=9 m=36
